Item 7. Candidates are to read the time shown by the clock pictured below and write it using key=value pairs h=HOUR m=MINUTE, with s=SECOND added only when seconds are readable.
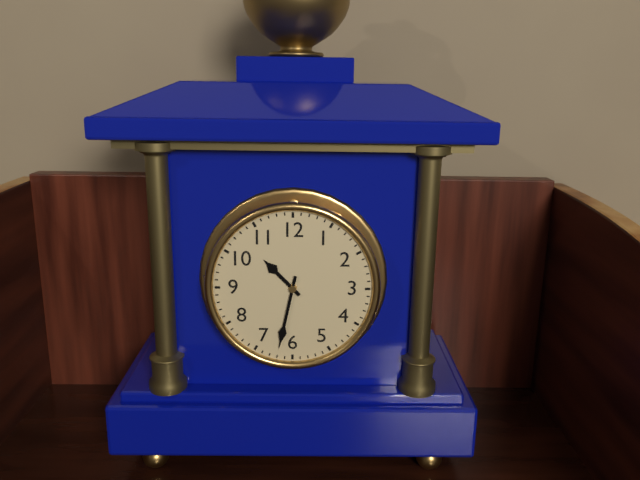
h=10 m=32
